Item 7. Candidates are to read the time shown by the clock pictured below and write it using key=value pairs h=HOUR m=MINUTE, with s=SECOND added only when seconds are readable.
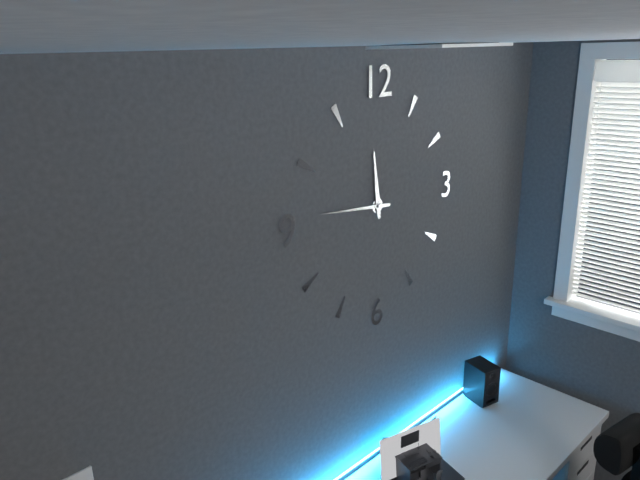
h=11 m=46
